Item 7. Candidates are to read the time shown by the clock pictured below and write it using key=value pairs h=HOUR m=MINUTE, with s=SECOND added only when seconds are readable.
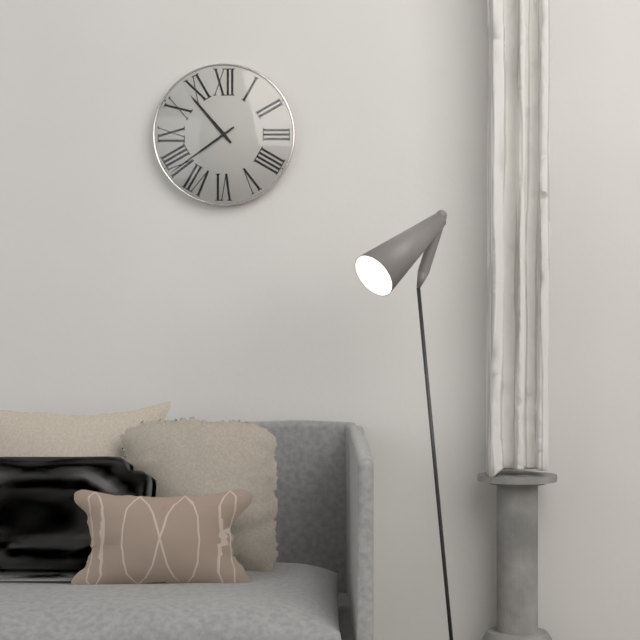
h=10 m=39
